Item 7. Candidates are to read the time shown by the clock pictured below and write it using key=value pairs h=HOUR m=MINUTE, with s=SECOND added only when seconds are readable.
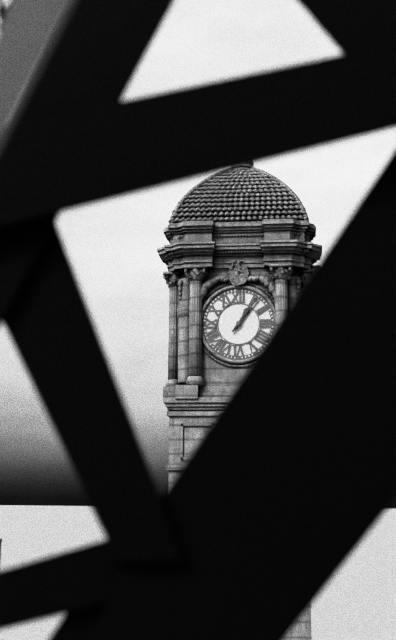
h=1 m=6
